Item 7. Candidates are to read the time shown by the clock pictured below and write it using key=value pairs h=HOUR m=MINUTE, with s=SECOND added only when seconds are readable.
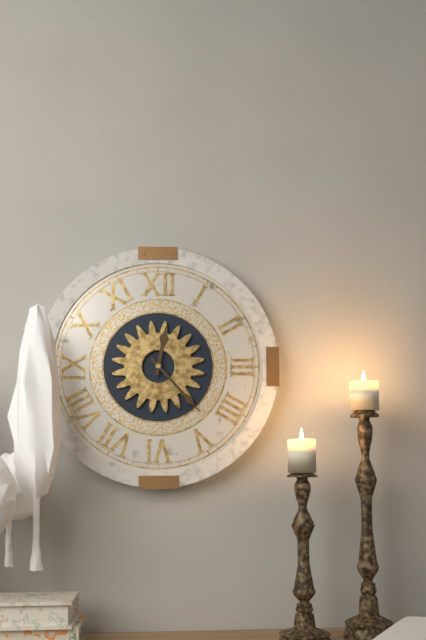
h=12 m=23
